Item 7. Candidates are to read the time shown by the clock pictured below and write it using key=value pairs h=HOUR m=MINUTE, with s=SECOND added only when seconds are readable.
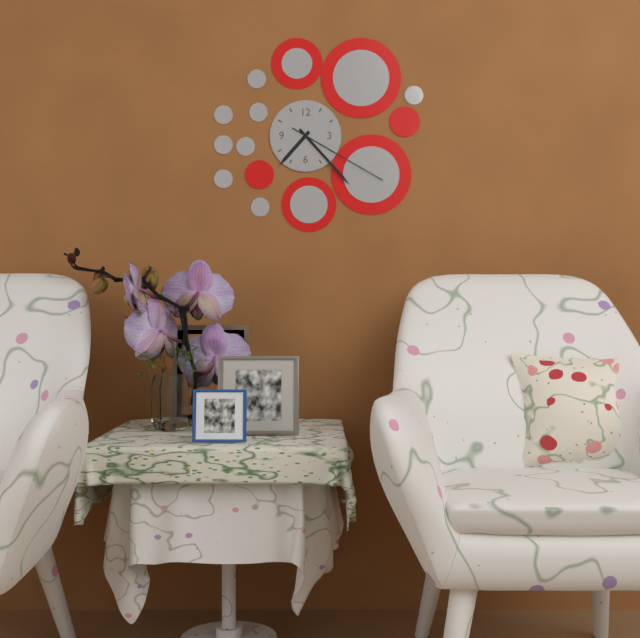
h=7 m=23 s=20
